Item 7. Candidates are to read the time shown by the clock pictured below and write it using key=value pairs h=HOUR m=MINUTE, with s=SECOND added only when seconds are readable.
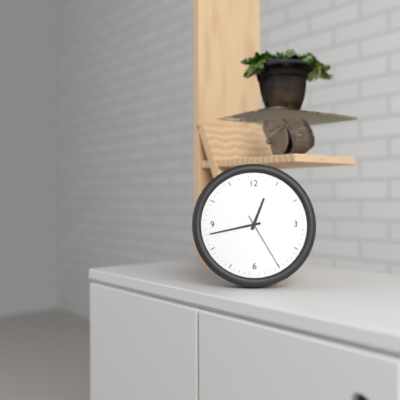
h=12 m=43 s=25
